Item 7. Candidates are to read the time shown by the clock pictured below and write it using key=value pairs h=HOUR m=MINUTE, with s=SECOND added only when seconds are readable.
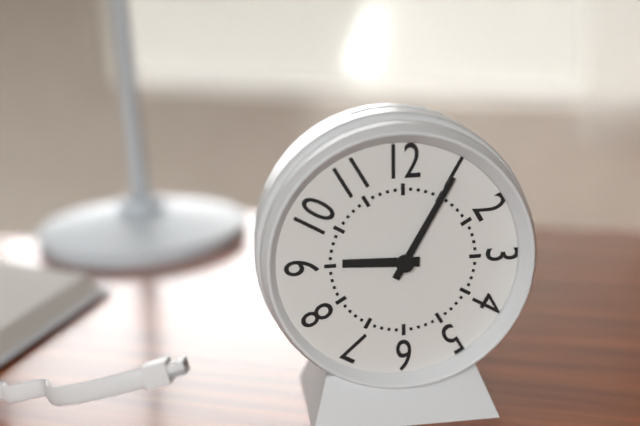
h=9 m=5
